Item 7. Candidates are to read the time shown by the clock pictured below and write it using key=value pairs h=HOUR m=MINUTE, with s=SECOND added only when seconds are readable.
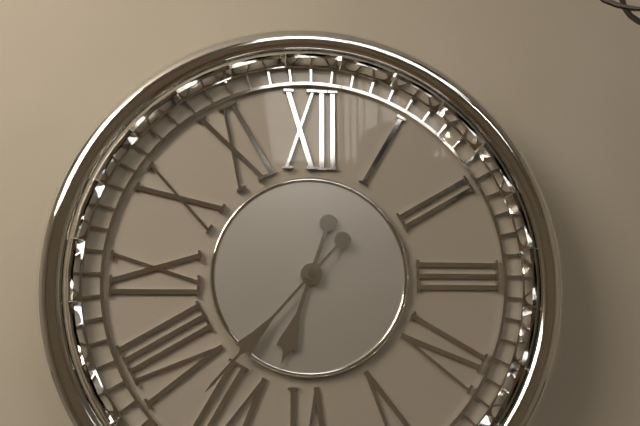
h=6 m=37
